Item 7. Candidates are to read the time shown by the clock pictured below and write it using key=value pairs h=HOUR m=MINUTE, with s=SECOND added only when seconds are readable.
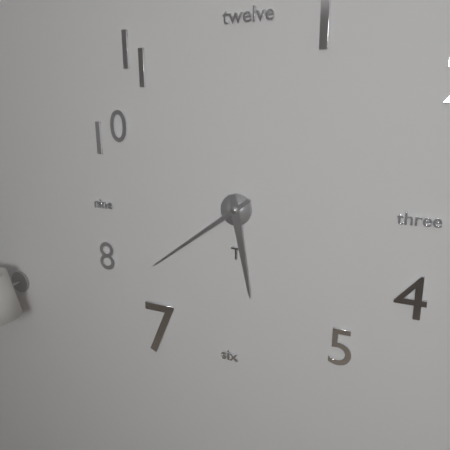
h=5 m=39
